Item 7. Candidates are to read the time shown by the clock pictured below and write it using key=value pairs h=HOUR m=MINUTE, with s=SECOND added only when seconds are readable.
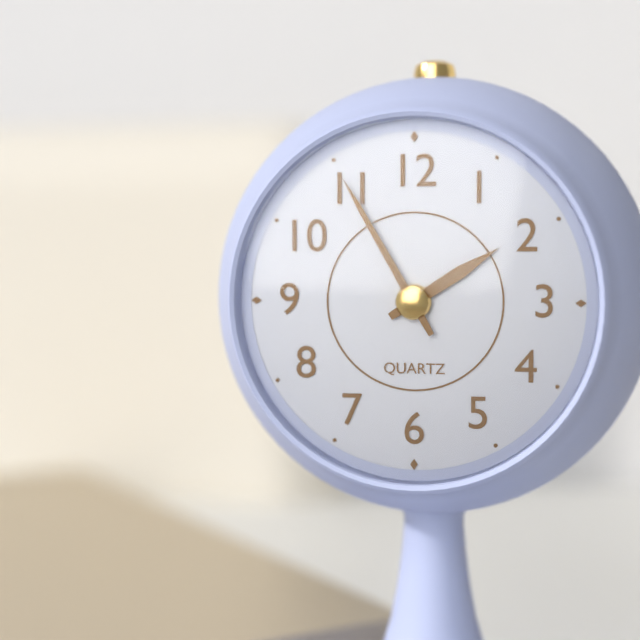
h=1 m=55
